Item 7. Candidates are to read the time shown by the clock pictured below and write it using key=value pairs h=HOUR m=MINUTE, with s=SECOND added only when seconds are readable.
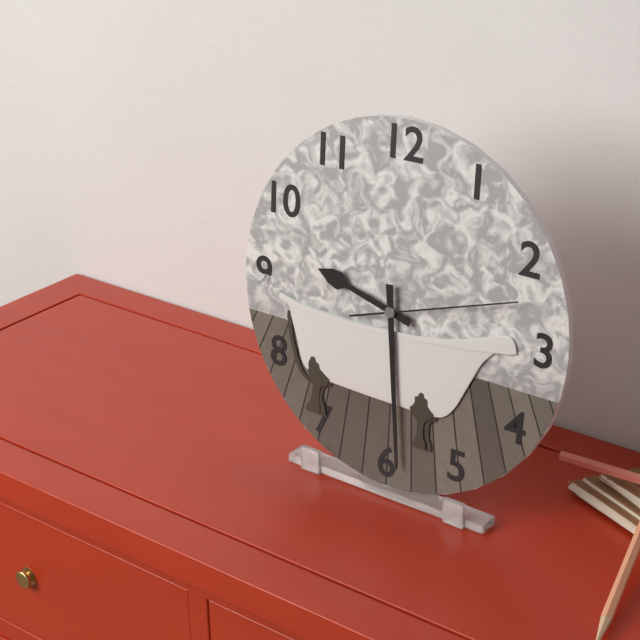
h=9 m=29 s=12
